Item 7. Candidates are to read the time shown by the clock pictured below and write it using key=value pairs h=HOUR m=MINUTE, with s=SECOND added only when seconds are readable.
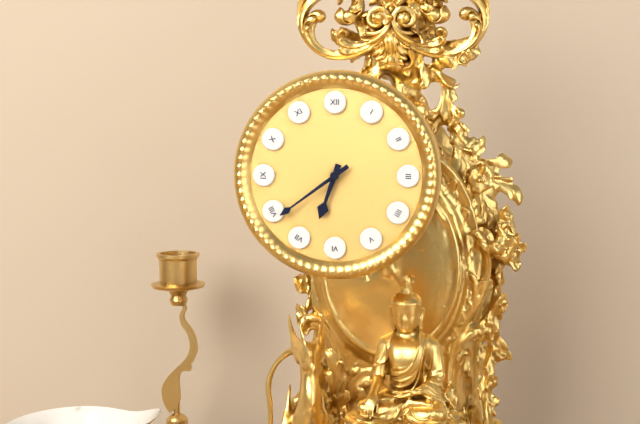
h=6 m=39
